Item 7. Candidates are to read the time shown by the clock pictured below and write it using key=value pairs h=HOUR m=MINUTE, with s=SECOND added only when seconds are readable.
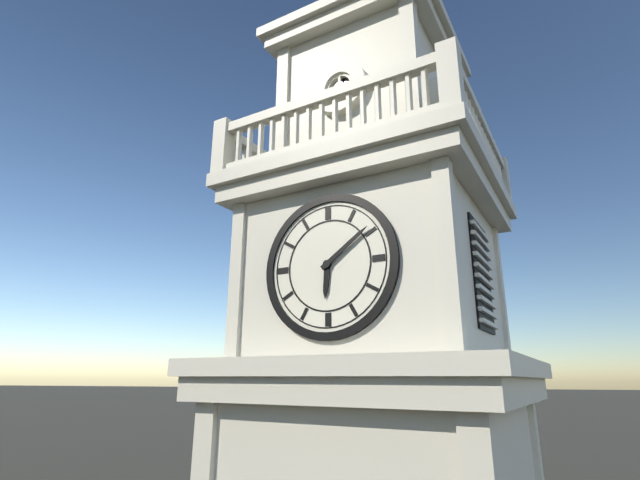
h=6 m=9
